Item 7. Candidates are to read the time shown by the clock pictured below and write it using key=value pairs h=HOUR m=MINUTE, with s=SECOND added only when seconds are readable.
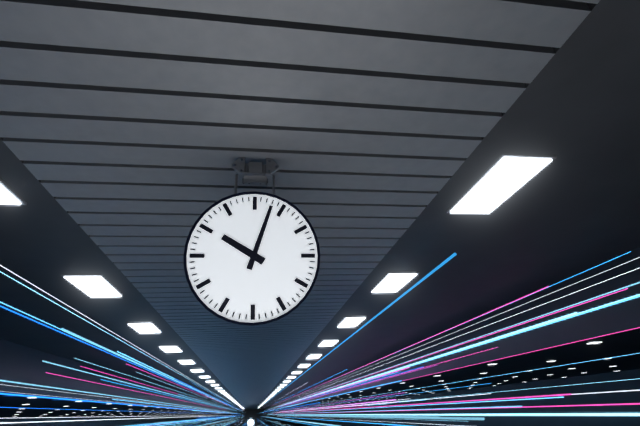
h=10 m=3
